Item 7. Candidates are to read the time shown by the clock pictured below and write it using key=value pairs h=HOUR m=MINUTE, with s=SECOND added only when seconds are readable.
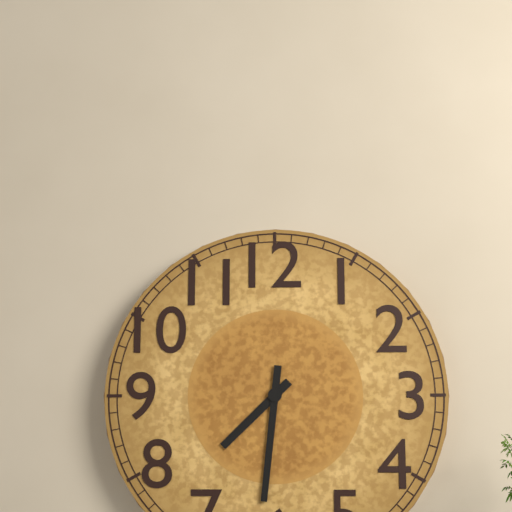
h=7 m=31
